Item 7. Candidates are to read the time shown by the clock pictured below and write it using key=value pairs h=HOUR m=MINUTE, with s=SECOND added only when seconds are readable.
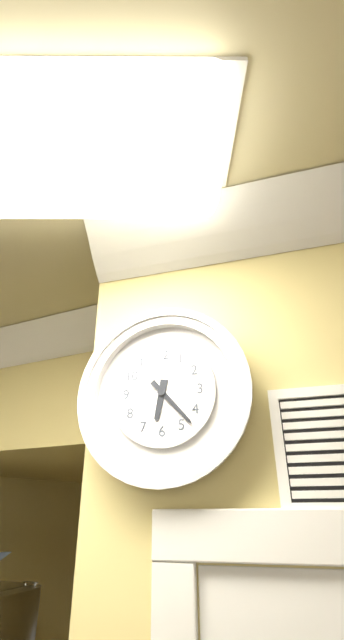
h=6 m=23
